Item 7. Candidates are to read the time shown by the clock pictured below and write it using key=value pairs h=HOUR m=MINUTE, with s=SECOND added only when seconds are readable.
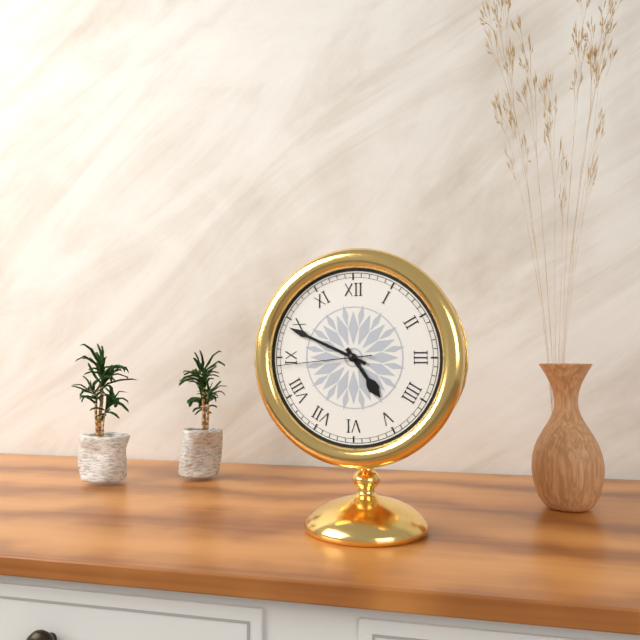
h=4 m=49 s=44
